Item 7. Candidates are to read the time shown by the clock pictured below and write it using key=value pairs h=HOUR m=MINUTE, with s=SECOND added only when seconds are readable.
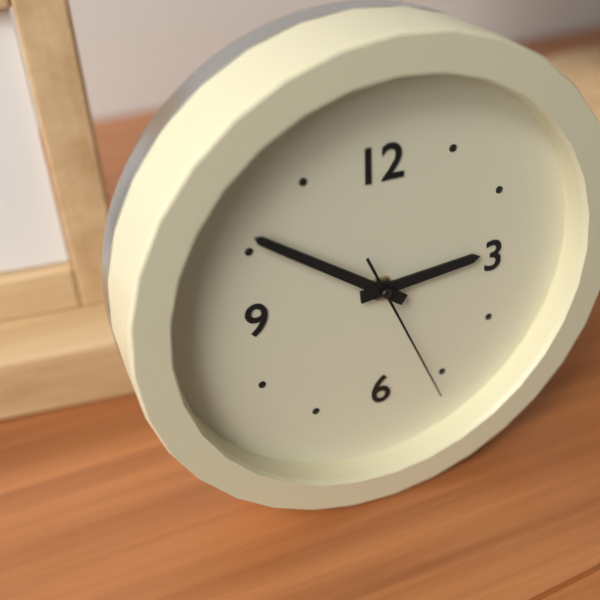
h=2 m=51 s=26
